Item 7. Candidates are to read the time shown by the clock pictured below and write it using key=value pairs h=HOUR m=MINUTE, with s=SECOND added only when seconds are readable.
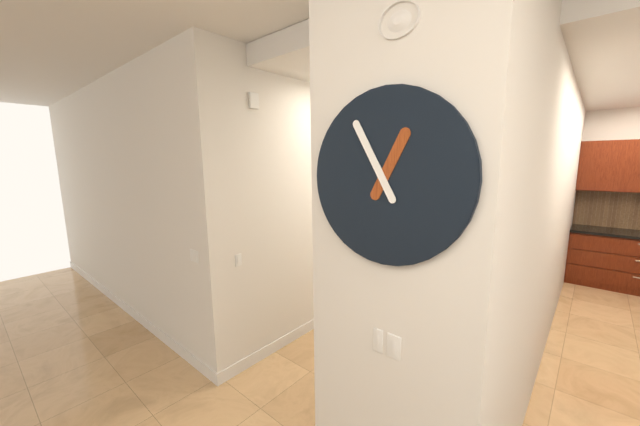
h=12 m=55
